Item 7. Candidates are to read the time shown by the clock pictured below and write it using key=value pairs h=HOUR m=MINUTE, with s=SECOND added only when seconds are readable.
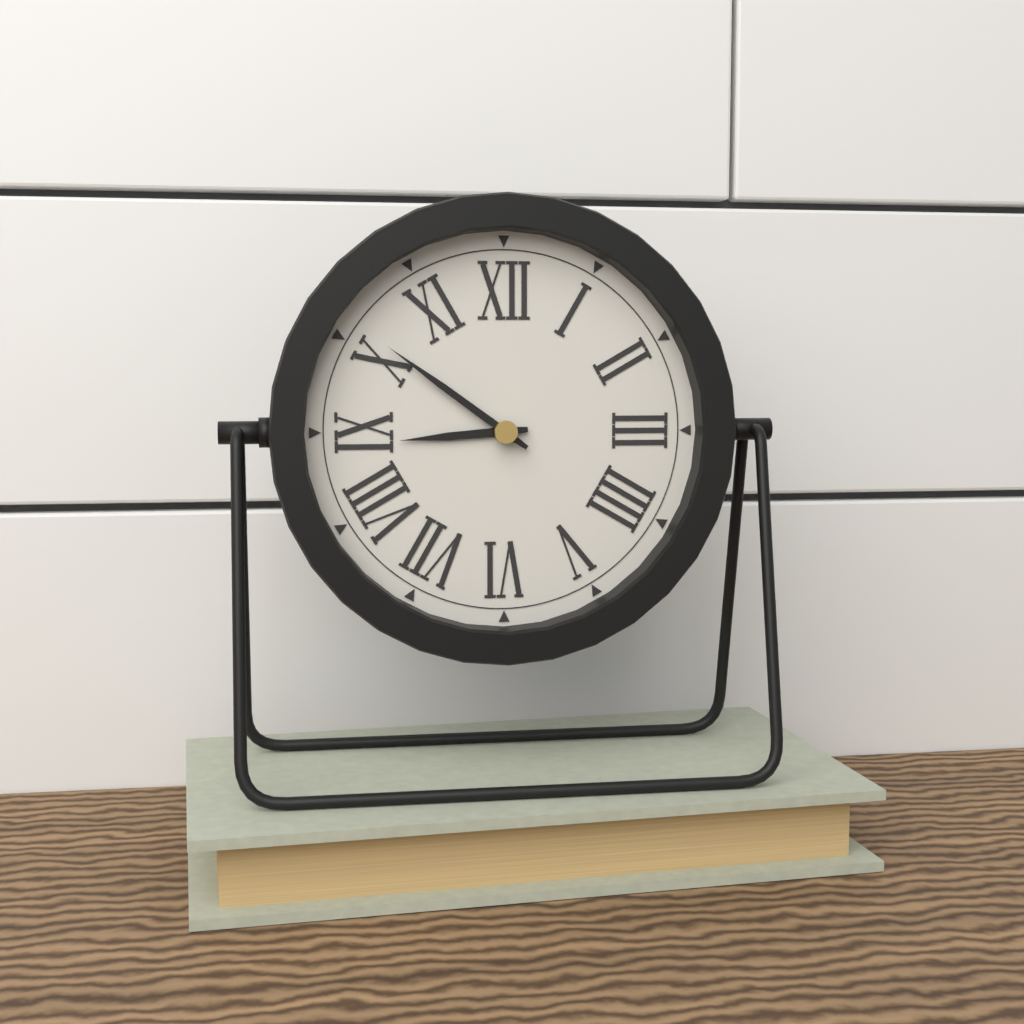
h=8 m=51
